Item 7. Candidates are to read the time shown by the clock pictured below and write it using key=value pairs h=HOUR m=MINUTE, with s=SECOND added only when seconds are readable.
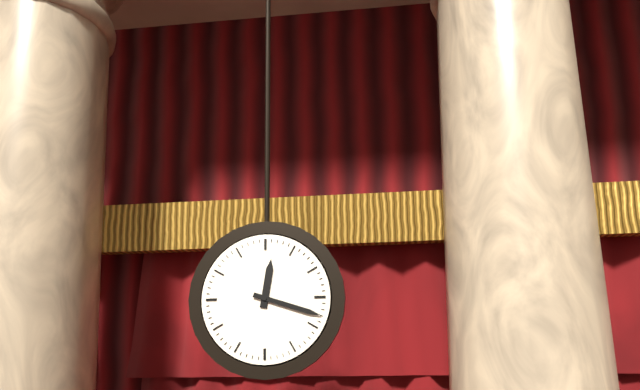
h=12 m=18
